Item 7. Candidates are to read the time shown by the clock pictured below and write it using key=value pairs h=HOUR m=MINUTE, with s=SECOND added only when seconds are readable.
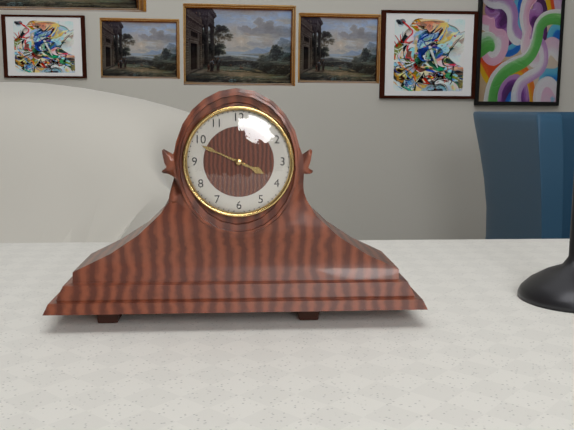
h=3 m=49
